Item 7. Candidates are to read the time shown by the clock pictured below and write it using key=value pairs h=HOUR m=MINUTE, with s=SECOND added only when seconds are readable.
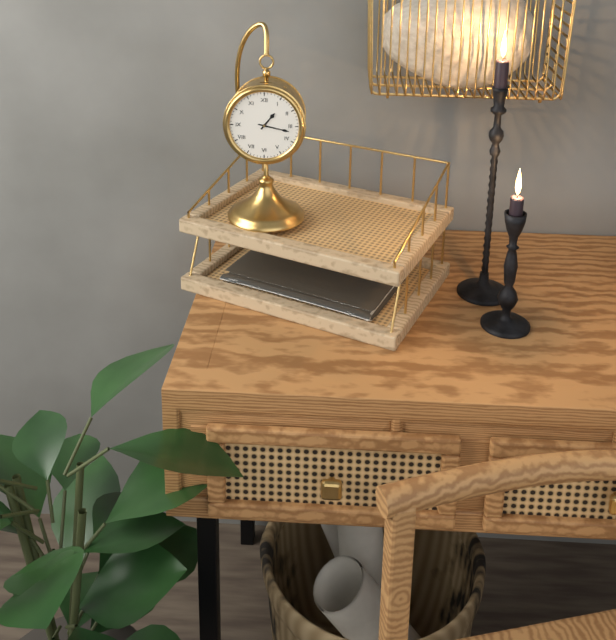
h=1 m=17
